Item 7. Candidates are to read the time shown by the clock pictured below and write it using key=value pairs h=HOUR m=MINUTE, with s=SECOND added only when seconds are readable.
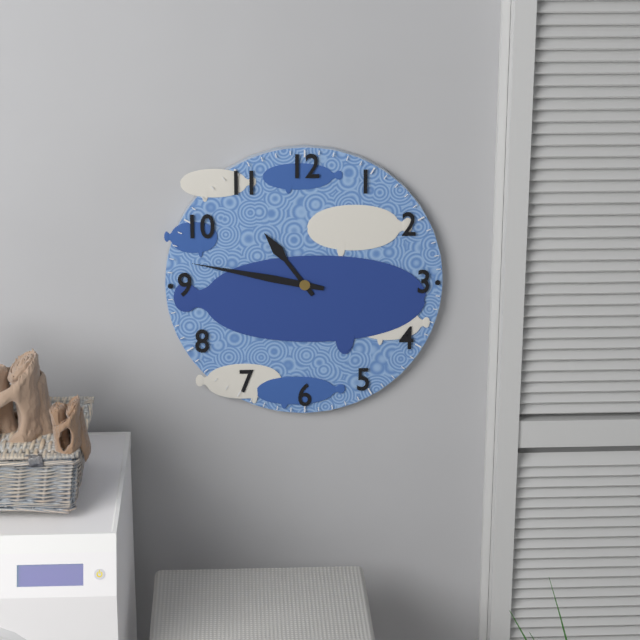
h=10 m=47
